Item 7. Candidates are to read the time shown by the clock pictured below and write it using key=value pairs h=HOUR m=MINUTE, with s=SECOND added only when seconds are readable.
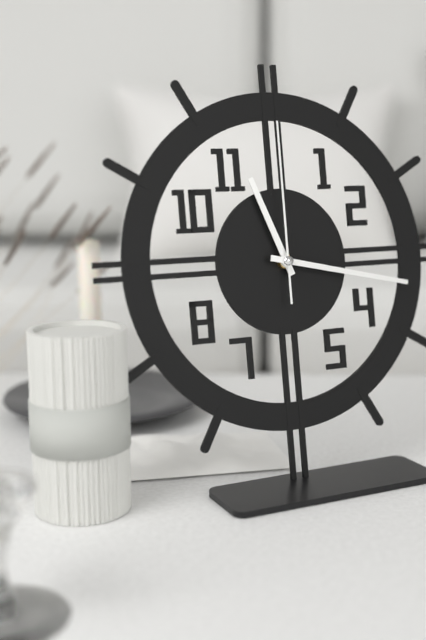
h=11 m=17 s=0
